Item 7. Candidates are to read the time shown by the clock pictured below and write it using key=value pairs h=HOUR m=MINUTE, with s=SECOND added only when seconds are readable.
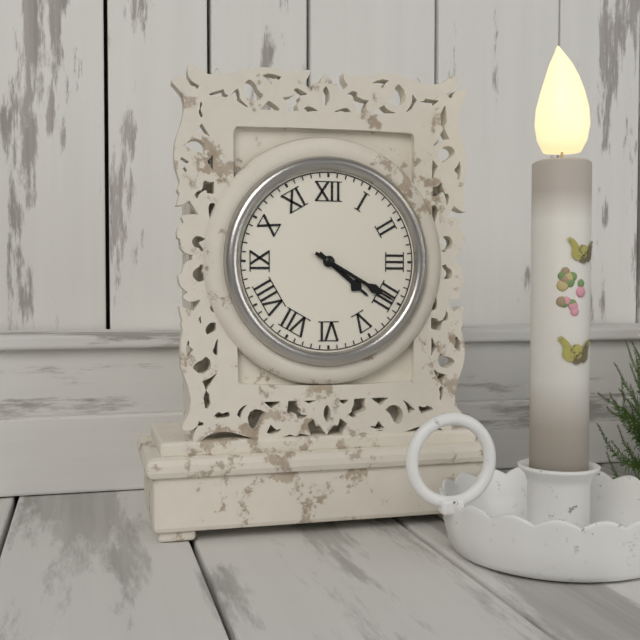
h=4 m=20
